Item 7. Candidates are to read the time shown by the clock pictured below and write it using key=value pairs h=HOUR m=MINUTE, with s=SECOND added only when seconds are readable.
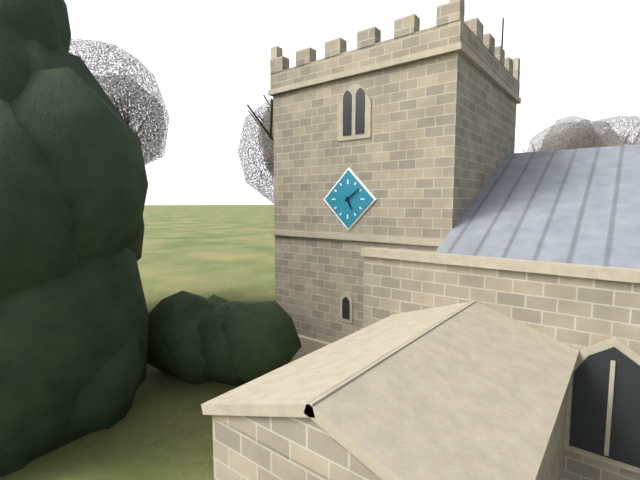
h=5 m=9
